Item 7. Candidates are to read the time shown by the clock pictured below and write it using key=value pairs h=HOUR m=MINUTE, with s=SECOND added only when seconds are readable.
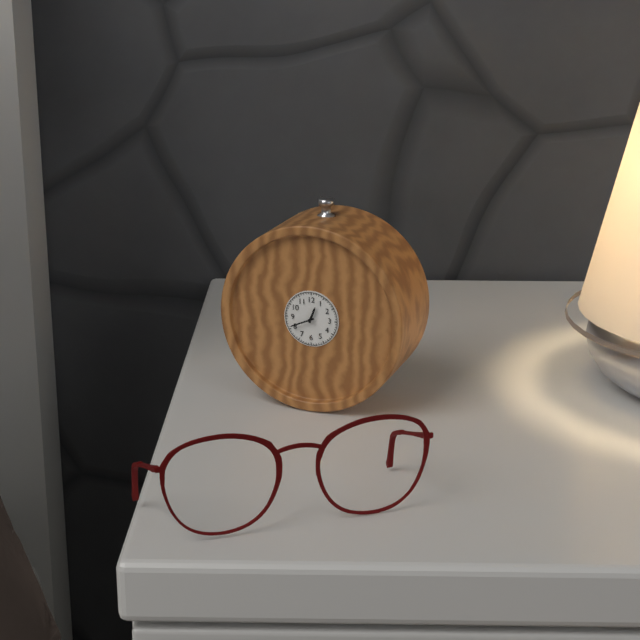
h=12 m=41
